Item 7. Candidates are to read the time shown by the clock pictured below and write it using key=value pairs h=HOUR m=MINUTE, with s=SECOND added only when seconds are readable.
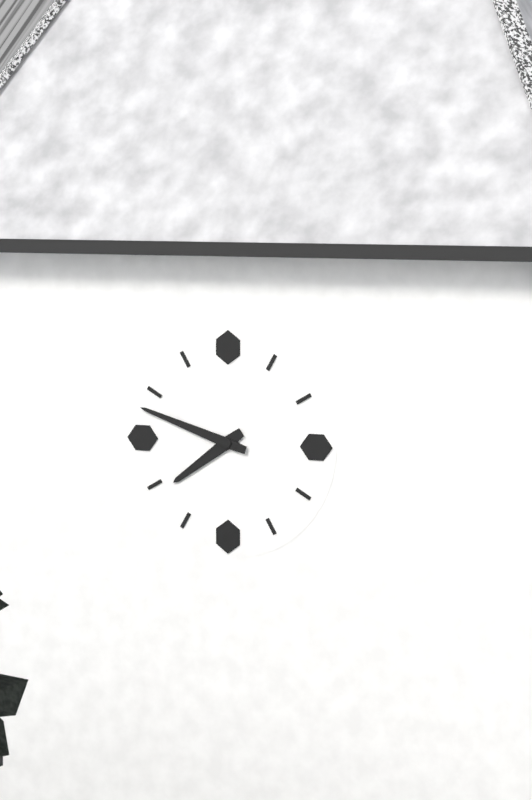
h=7 m=48
